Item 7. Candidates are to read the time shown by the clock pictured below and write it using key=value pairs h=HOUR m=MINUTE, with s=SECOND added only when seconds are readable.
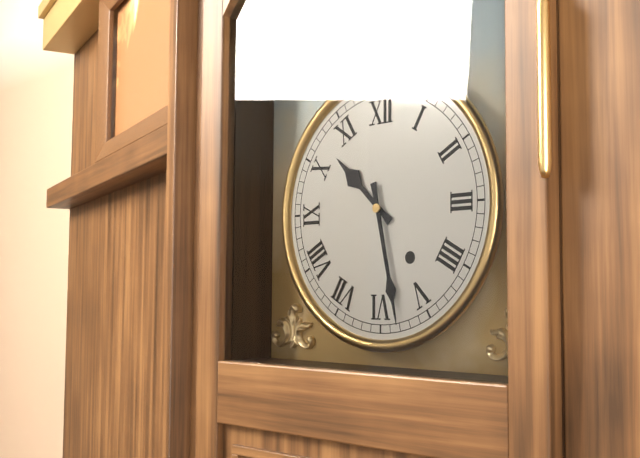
h=10 m=28
